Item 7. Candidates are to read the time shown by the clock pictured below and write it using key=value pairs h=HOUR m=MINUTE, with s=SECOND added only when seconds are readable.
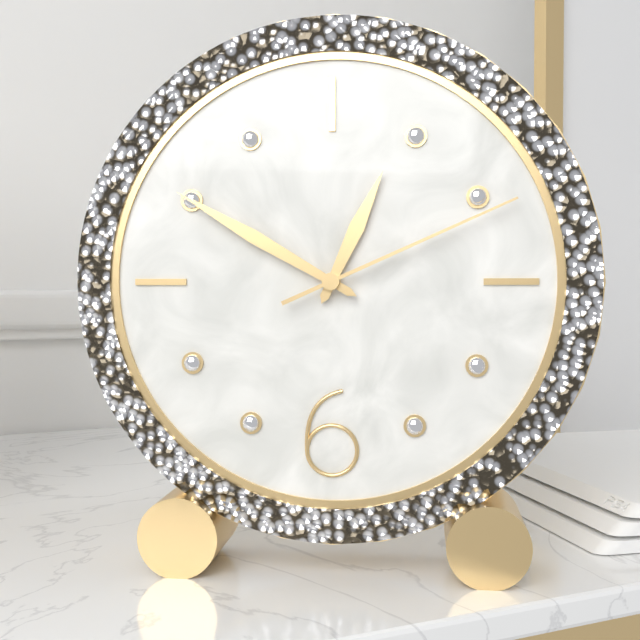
h=12 m=50 s=11
